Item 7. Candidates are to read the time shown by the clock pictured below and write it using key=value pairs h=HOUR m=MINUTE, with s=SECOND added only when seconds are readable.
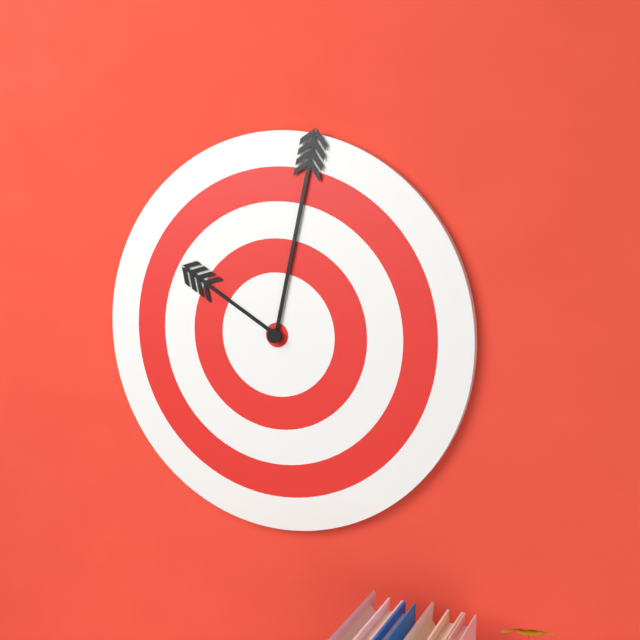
h=10 m=2
